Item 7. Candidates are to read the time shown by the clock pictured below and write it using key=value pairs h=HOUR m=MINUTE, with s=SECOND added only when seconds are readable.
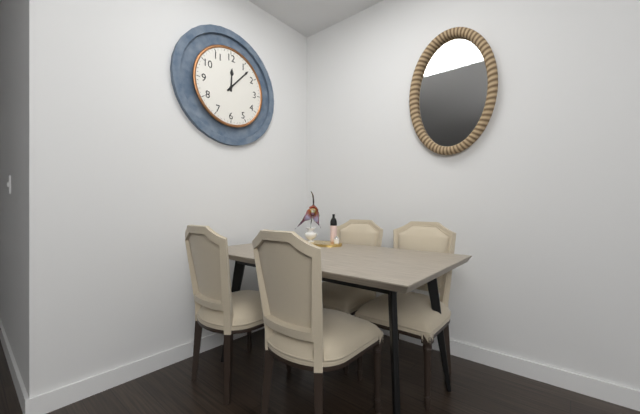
h=12 m=7
